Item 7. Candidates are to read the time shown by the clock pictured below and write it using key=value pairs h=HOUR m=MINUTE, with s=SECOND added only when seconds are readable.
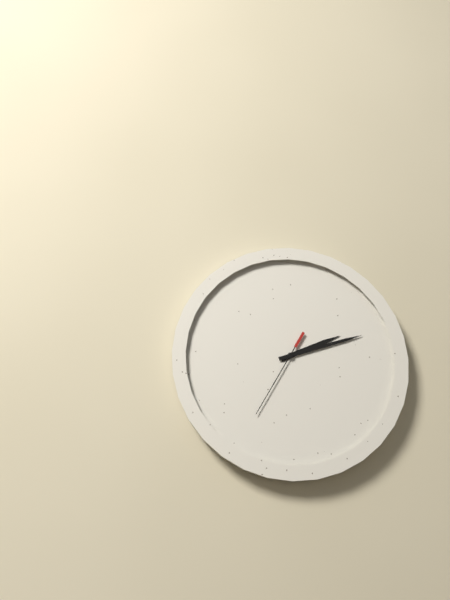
h=2 m=12 s=35
